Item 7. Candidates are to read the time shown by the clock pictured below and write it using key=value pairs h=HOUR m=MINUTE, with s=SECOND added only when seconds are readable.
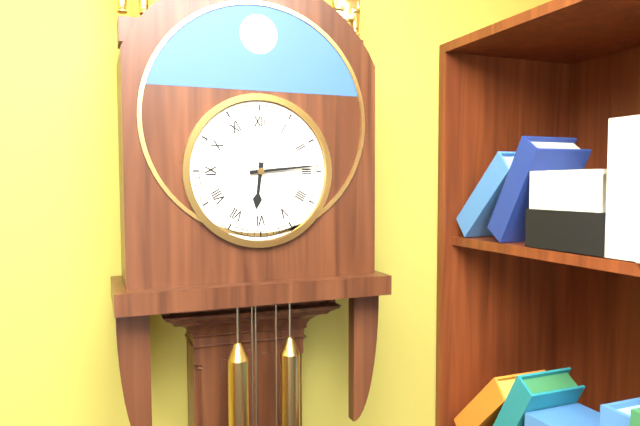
h=6 m=14
